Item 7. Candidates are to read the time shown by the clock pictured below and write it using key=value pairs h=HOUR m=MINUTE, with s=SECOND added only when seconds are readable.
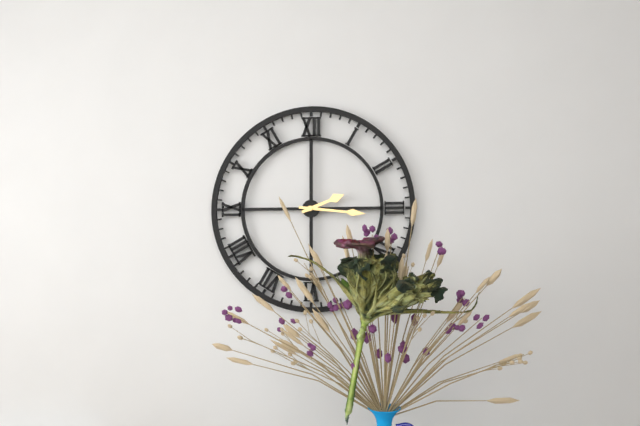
h=2 m=16
